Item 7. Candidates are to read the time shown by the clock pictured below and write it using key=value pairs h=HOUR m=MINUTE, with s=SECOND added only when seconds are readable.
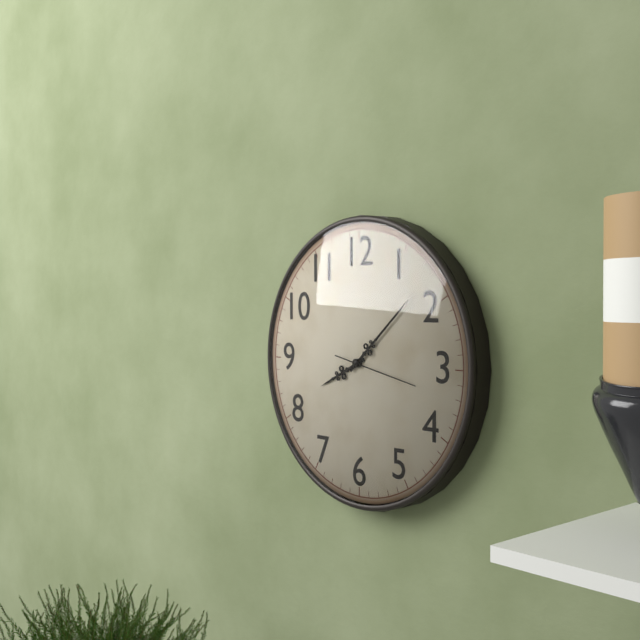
h=8 m=8 s=17
